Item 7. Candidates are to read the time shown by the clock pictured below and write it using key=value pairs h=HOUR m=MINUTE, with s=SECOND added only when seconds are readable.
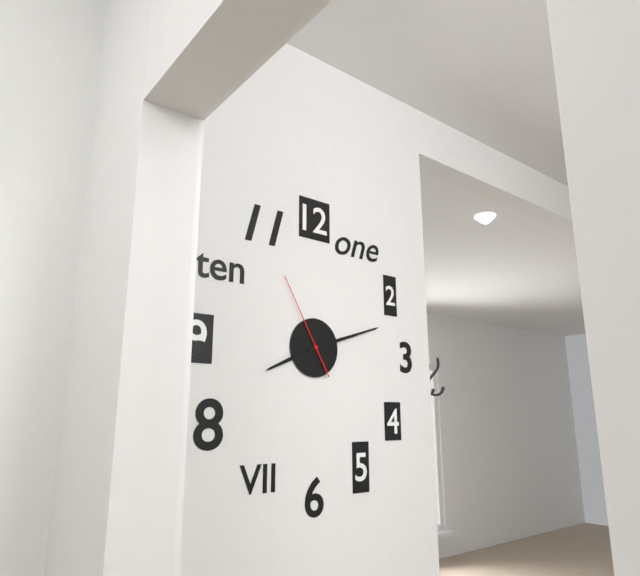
h=8 m=12 s=55
